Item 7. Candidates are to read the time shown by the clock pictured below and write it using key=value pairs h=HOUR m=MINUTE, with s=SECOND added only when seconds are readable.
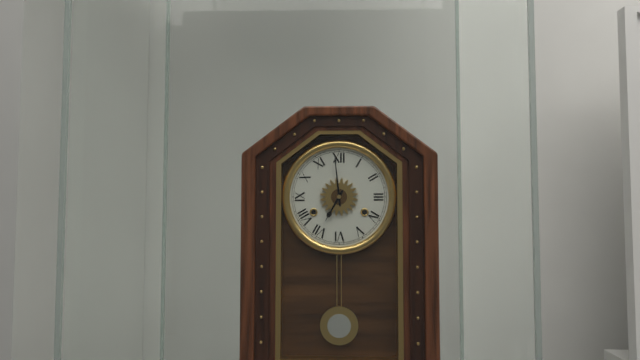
h=6 m=59
